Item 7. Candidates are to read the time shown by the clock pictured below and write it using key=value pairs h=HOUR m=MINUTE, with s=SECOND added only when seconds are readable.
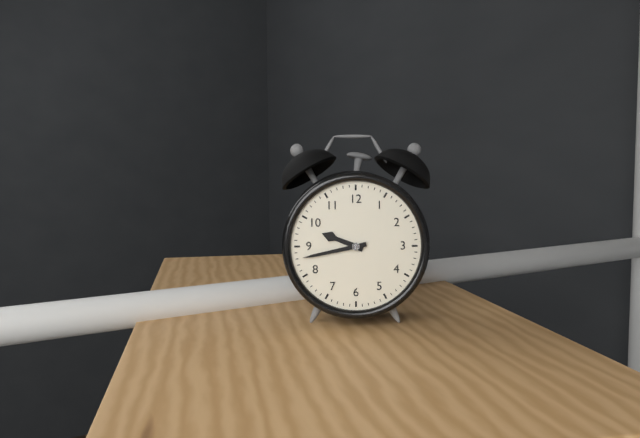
h=9 m=43
